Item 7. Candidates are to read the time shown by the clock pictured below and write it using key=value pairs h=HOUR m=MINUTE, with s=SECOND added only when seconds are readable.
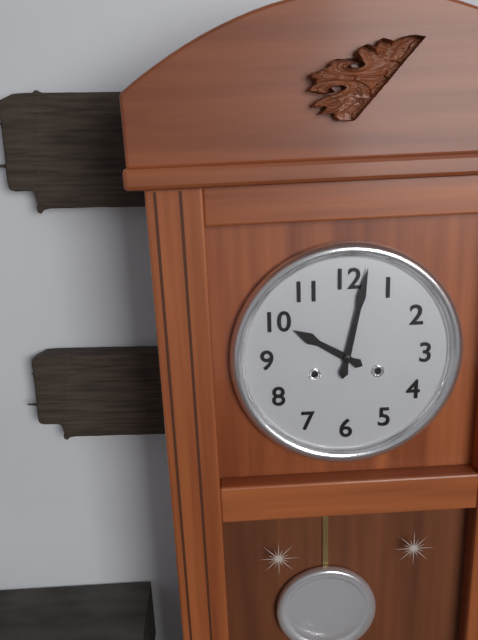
h=10 m=2
